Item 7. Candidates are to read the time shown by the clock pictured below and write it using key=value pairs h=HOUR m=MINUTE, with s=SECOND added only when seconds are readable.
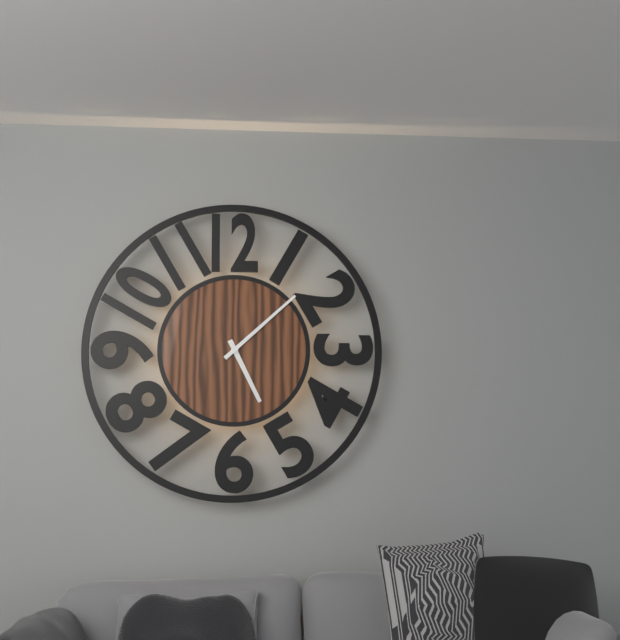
h=5 m=8
